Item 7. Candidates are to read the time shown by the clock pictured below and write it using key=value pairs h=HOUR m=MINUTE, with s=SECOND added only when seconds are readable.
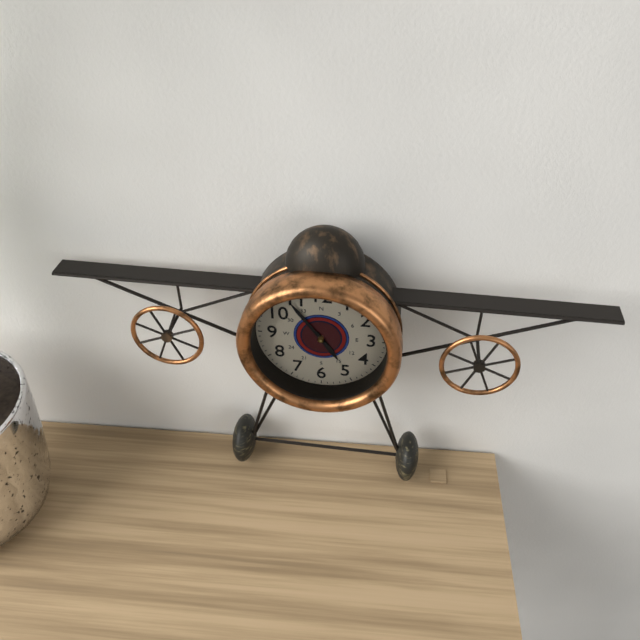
h=4 m=54
